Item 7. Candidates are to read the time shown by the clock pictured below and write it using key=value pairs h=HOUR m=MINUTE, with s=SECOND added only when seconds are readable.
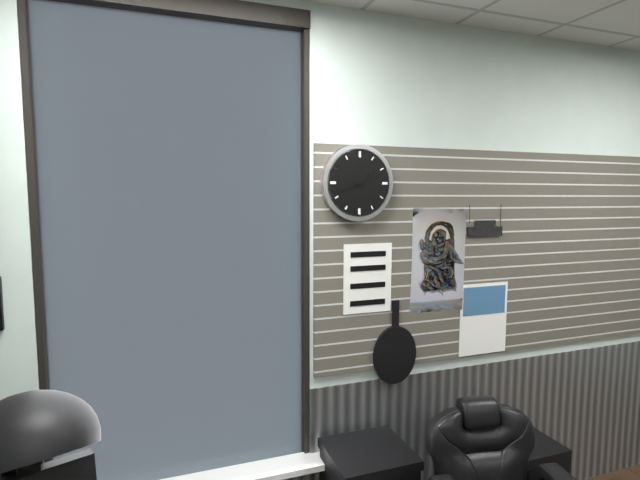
h=1 m=42
